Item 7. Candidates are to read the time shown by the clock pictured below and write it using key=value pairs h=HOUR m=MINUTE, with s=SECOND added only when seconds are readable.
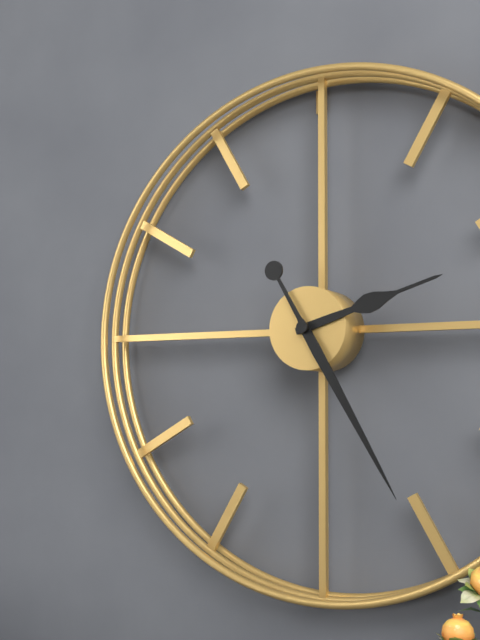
h=2 m=25
